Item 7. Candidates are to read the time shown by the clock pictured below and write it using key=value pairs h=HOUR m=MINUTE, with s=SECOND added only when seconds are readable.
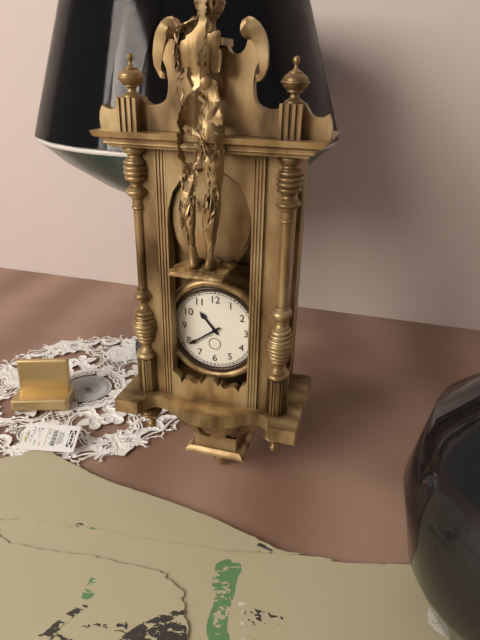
h=10 m=39
